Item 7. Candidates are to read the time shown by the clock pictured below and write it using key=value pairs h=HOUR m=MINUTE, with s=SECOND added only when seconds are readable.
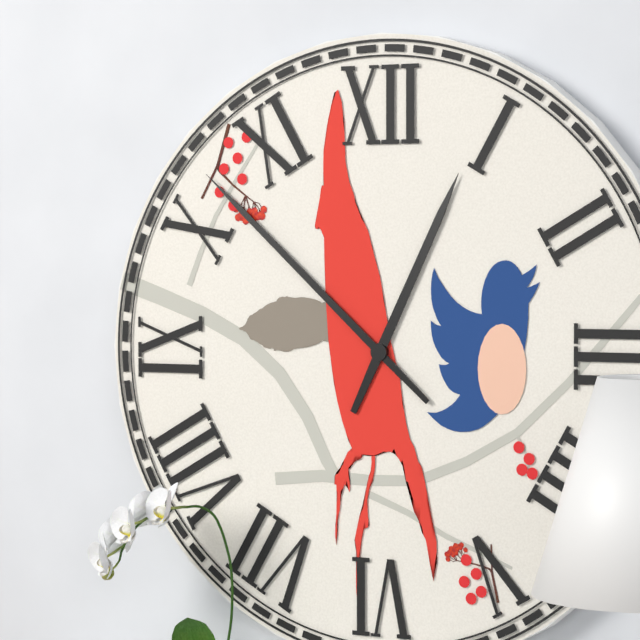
h=12 m=52
